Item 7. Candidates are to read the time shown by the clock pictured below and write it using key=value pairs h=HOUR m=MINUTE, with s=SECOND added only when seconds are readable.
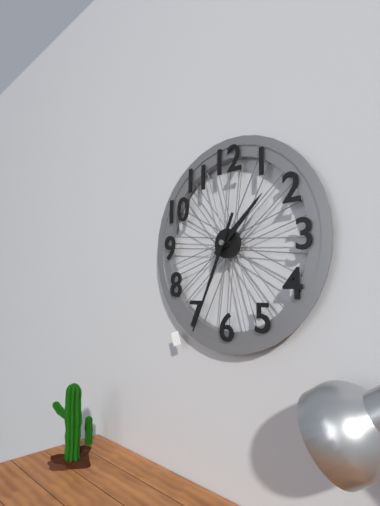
h=1 m=34
